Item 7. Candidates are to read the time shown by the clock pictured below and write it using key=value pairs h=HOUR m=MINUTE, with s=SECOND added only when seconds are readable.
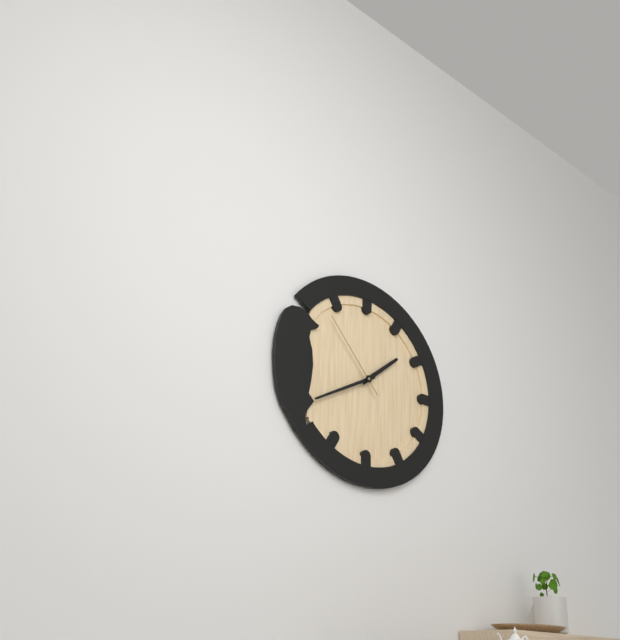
h=1 m=40 s=53
